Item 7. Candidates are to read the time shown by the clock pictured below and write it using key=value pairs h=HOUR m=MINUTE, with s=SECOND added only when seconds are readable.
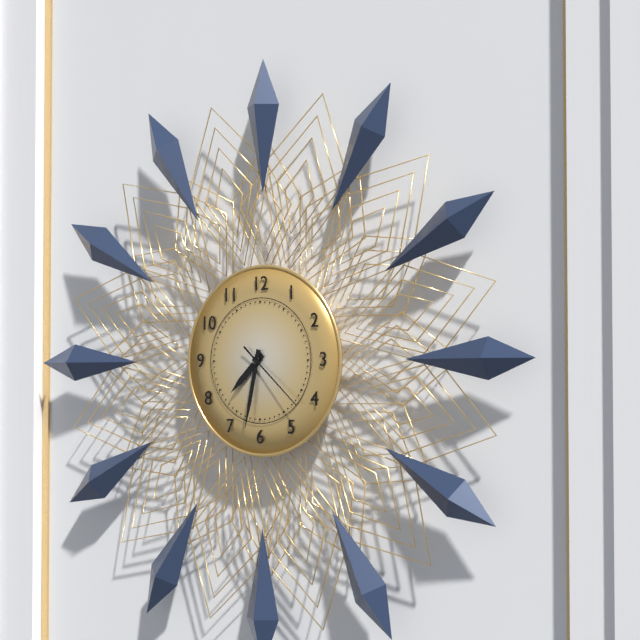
h=7 m=32 s=22
